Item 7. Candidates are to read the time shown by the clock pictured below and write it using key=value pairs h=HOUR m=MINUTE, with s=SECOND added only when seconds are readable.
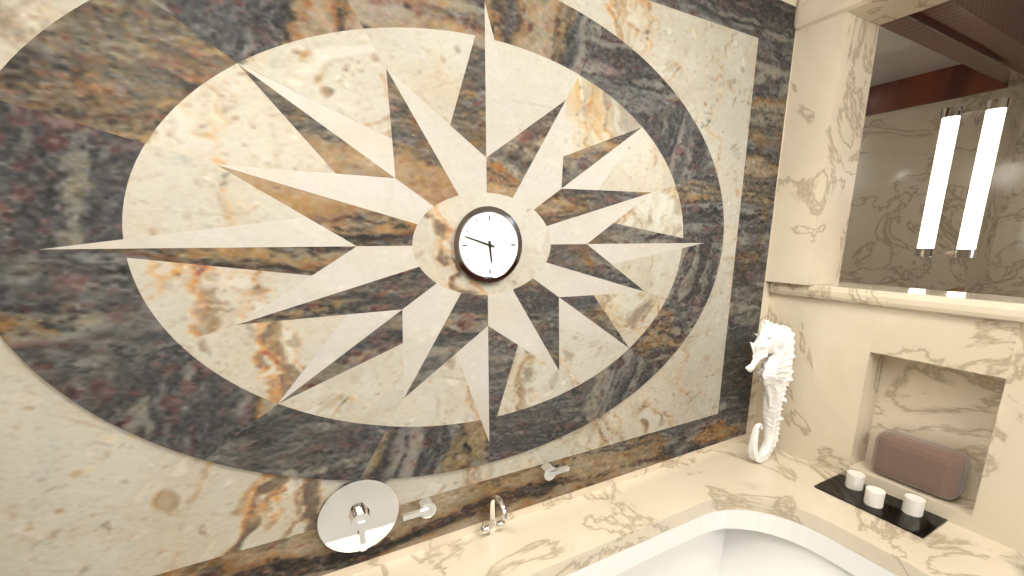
h=5 m=48
